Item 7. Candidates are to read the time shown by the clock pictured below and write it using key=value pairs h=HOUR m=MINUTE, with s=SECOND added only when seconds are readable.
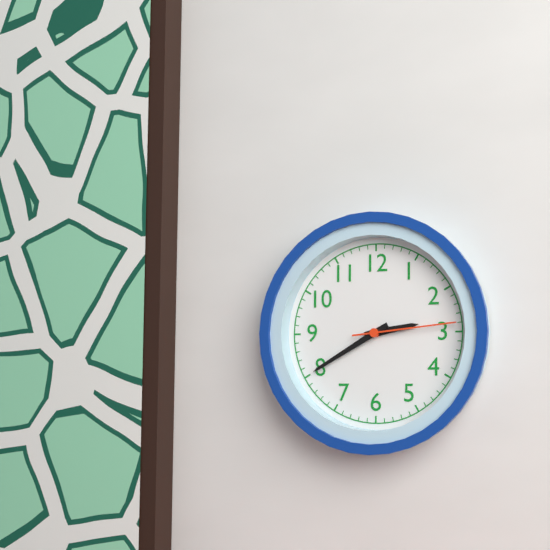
h=2 m=40 s=14
